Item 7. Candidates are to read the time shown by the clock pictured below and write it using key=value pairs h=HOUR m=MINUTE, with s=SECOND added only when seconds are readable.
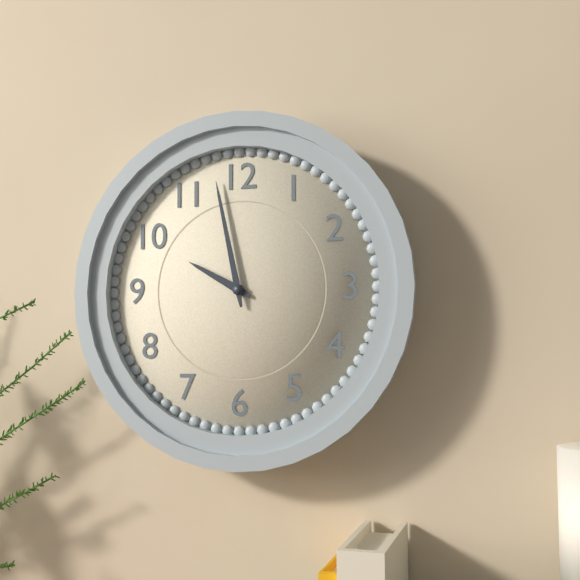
h=9 m=58
